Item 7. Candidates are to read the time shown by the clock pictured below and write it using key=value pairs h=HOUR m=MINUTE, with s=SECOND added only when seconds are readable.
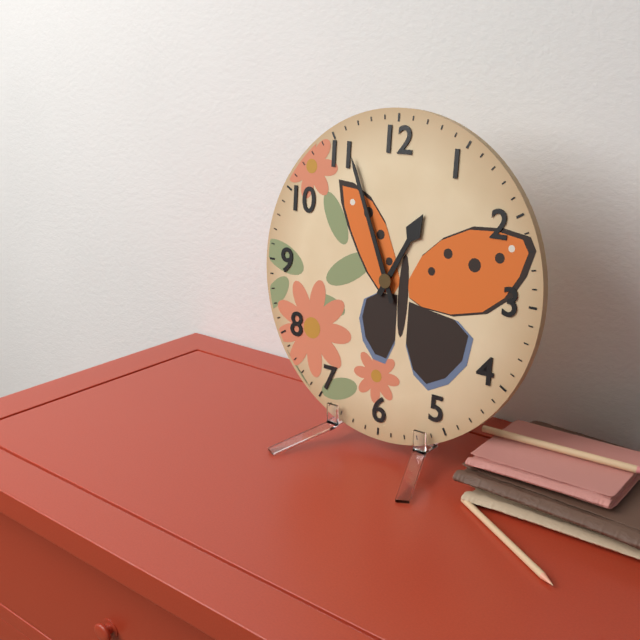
h=12 m=56
